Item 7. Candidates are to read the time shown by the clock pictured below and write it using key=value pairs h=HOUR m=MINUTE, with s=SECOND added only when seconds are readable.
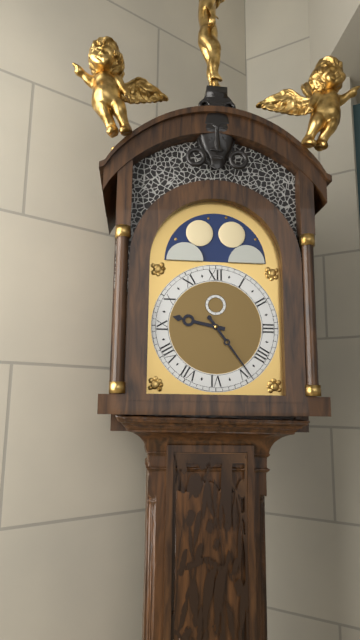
h=9 m=24
